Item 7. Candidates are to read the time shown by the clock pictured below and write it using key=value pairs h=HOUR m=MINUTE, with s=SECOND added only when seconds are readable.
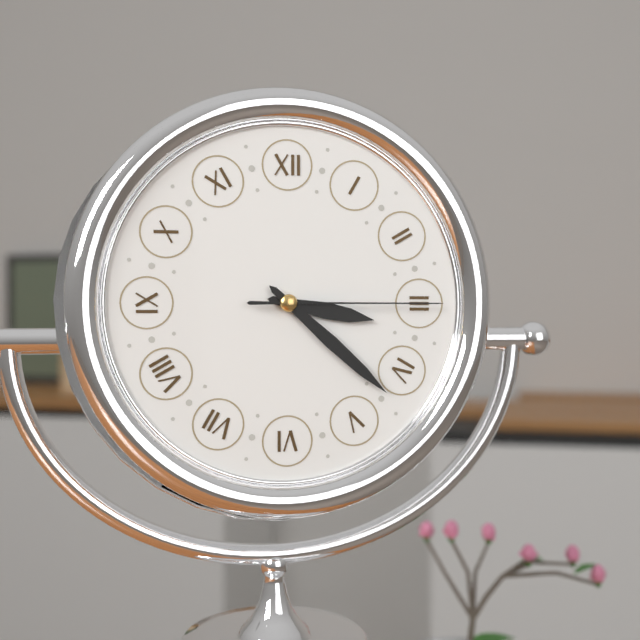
h=3 m=22 s=15
